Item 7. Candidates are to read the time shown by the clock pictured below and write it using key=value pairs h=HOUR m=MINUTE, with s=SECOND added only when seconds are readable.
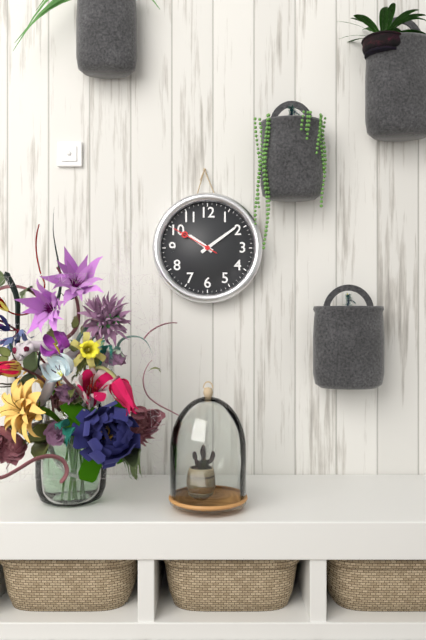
h=10 m=9
